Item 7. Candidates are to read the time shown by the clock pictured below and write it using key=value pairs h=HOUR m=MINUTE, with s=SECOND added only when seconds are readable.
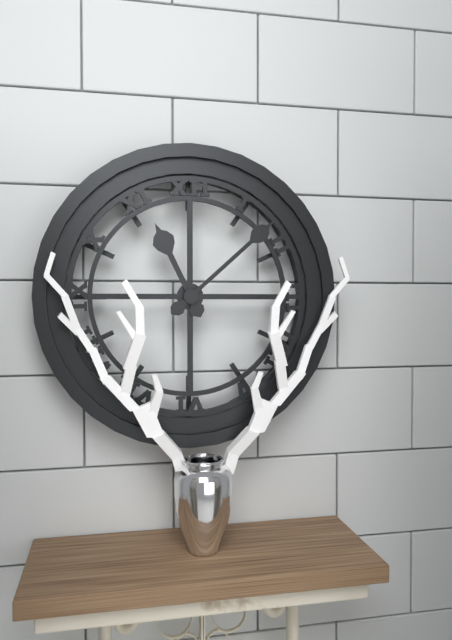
h=11 m=8
